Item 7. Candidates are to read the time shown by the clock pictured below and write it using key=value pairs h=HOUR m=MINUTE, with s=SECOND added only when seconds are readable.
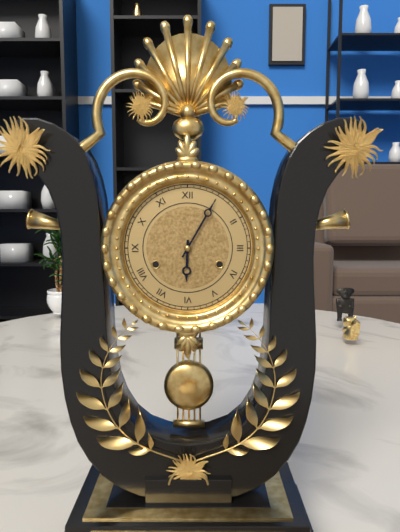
h=6 m=5
